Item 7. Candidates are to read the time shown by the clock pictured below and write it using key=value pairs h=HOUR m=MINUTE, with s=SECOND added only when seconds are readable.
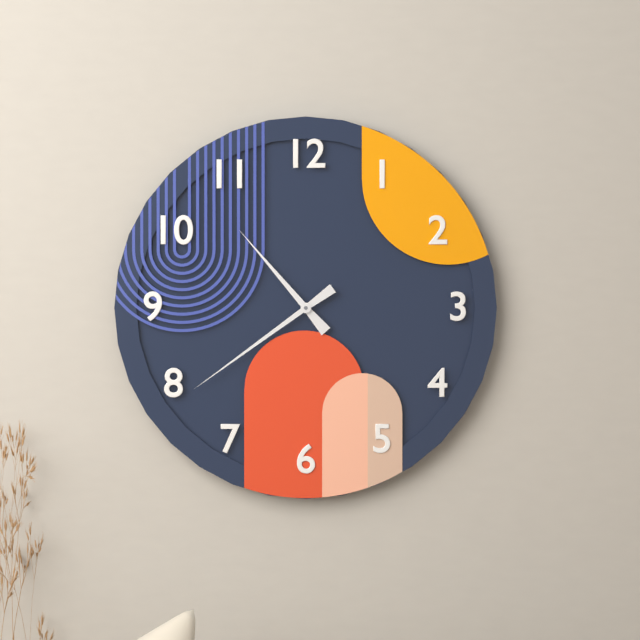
h=10 m=39
